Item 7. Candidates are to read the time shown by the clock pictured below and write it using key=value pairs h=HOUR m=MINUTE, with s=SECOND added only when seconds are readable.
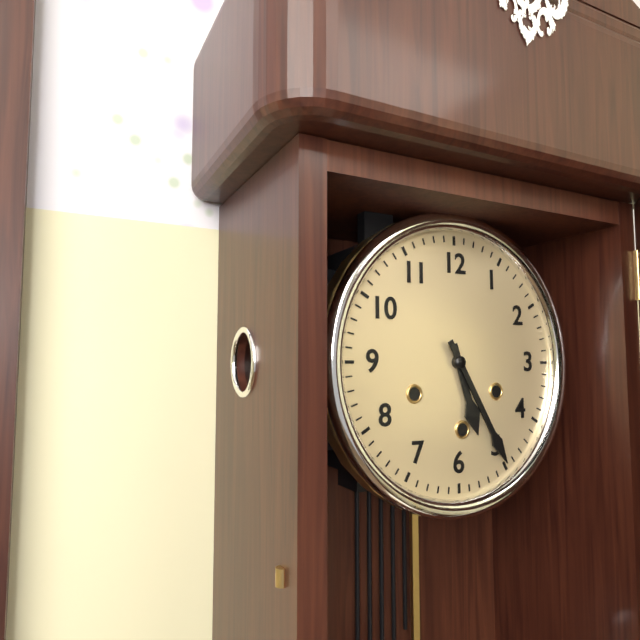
h=5 m=25
